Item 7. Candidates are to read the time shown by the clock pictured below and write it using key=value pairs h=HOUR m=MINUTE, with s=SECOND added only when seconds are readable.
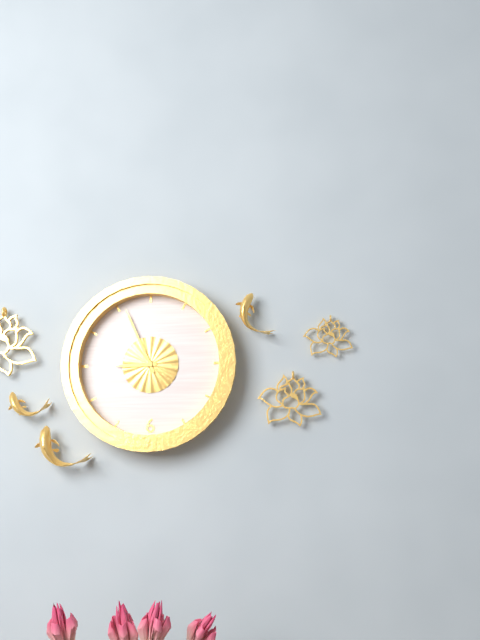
h=8 m=56
